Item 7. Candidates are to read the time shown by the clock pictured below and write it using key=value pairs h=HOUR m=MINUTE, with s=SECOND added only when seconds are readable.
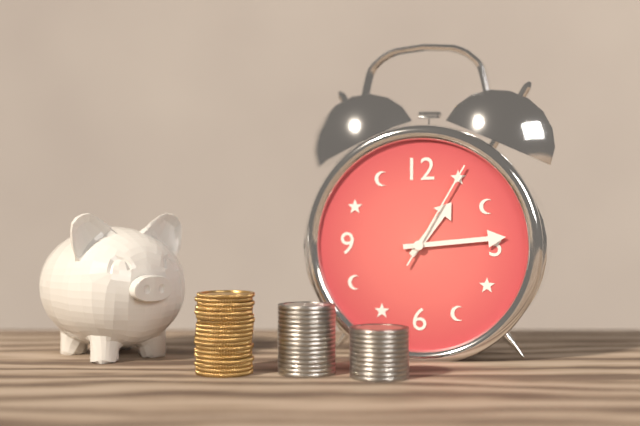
h=1 m=14 s=5
